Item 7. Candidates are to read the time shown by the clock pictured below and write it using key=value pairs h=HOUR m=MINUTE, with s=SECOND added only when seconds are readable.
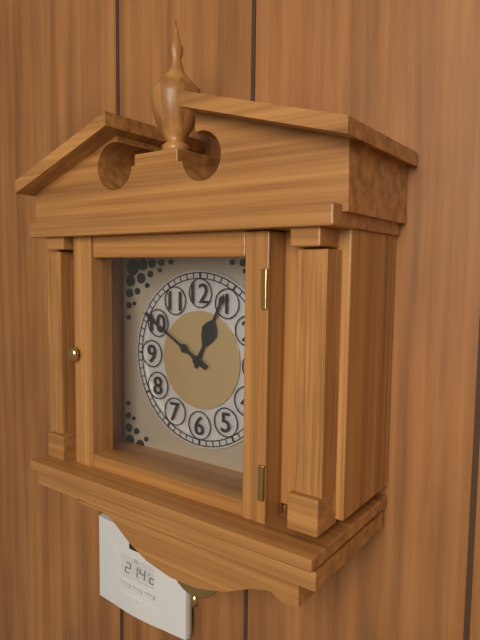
h=12 m=50
